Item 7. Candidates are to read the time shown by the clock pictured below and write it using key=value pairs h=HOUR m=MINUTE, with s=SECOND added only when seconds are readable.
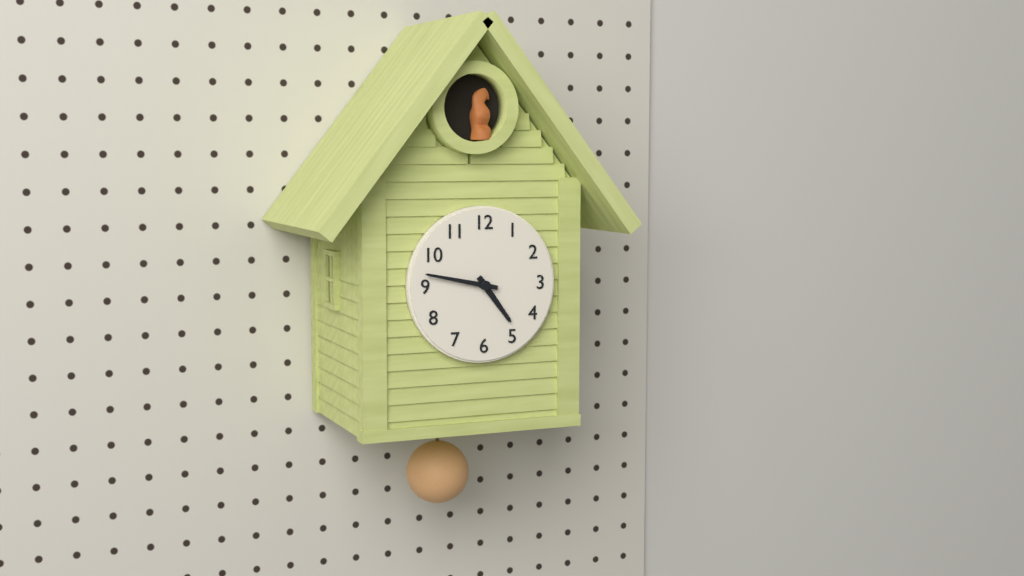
h=4 m=47
